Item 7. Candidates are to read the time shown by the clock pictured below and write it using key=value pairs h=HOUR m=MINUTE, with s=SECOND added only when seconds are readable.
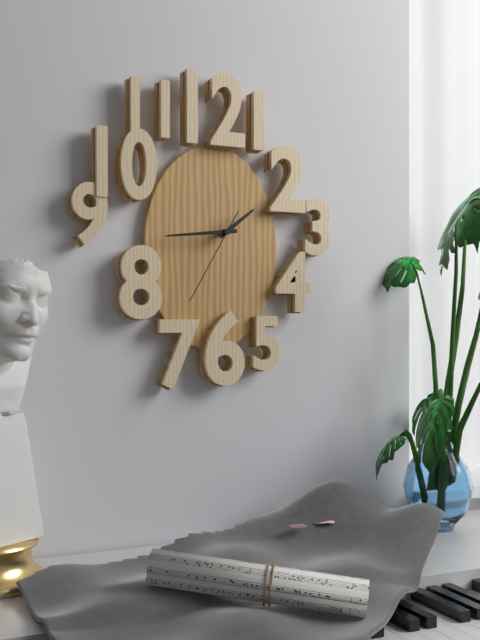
h=1 m=44 s=35
